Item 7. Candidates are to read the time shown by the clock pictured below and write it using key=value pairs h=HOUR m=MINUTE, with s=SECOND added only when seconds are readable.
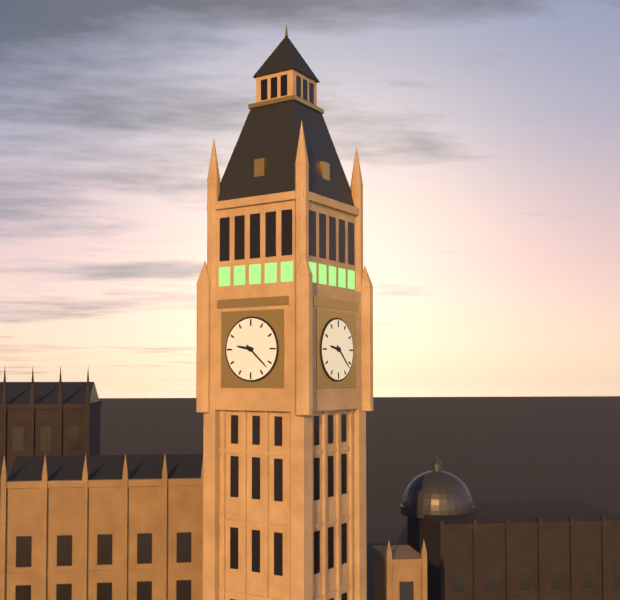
h=9 m=22
